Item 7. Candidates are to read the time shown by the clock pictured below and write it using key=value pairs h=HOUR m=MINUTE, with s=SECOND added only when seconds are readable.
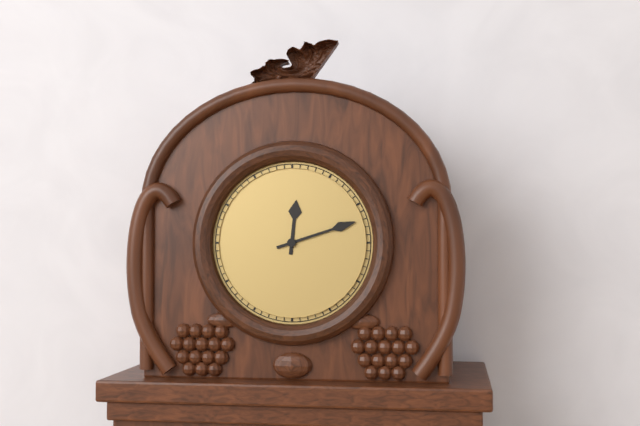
h=12 m=12
